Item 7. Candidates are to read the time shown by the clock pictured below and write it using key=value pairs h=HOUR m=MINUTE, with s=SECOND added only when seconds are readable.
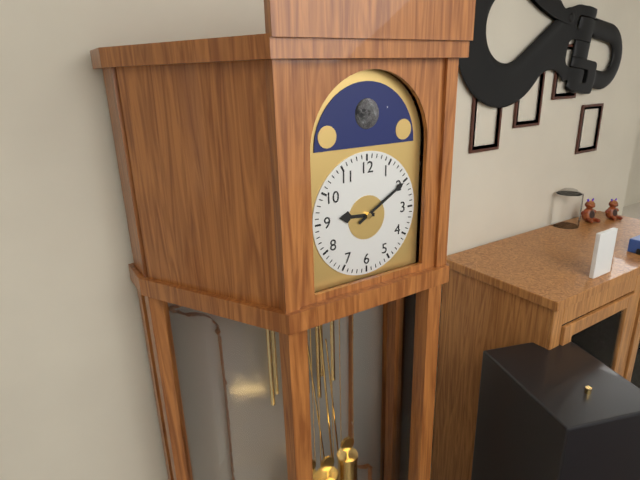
h=9 m=10
